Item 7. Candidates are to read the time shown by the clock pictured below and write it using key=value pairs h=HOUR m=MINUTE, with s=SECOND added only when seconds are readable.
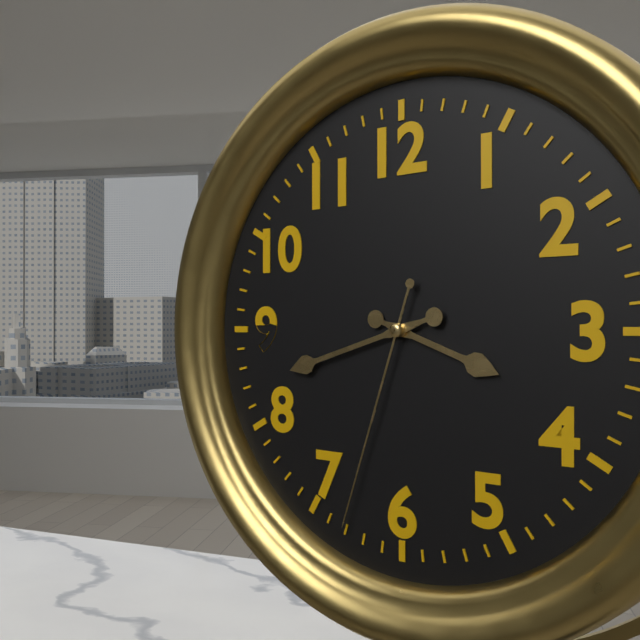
h=3 m=42 s=33
